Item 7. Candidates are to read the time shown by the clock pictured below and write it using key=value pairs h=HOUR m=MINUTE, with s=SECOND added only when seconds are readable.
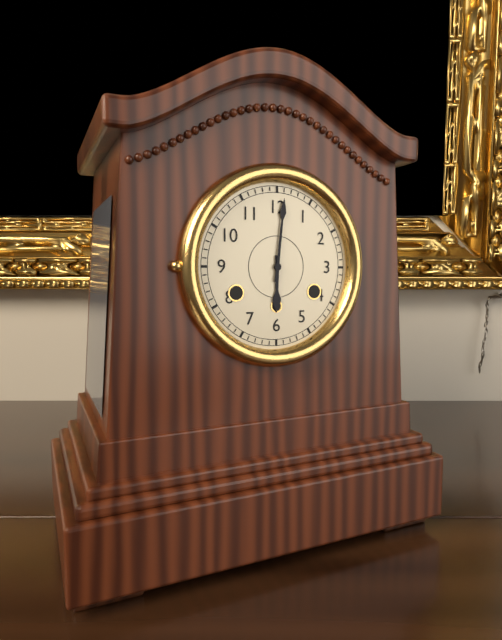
h=6 m=1
